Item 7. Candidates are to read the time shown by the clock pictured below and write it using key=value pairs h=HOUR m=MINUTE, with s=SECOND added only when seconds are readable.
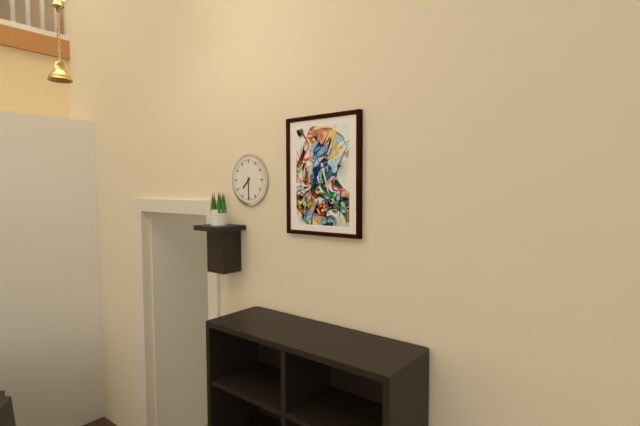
h=7 m=30
